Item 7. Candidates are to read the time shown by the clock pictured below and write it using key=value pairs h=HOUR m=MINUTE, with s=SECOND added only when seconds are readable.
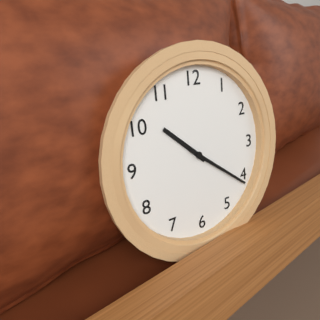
h=10 m=21
